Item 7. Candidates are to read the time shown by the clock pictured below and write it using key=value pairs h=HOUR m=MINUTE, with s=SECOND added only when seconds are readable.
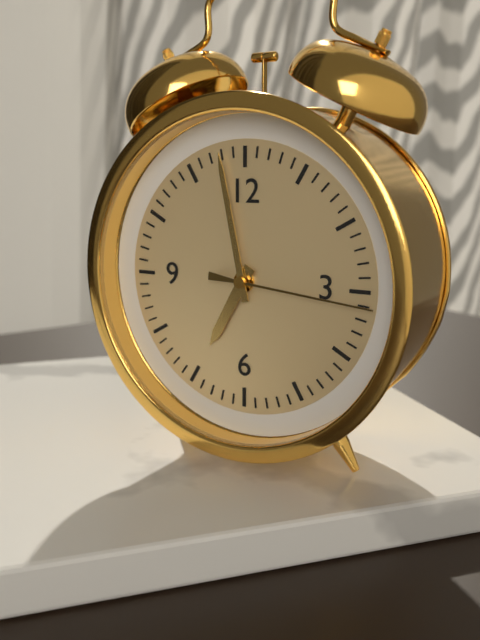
h=6 m=58 s=16
